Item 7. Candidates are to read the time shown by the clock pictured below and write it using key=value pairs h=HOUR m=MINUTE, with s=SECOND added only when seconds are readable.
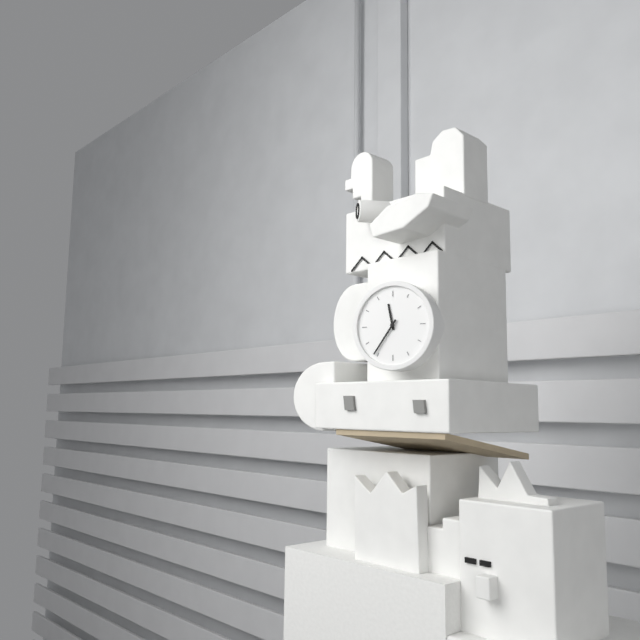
h=11 m=36
